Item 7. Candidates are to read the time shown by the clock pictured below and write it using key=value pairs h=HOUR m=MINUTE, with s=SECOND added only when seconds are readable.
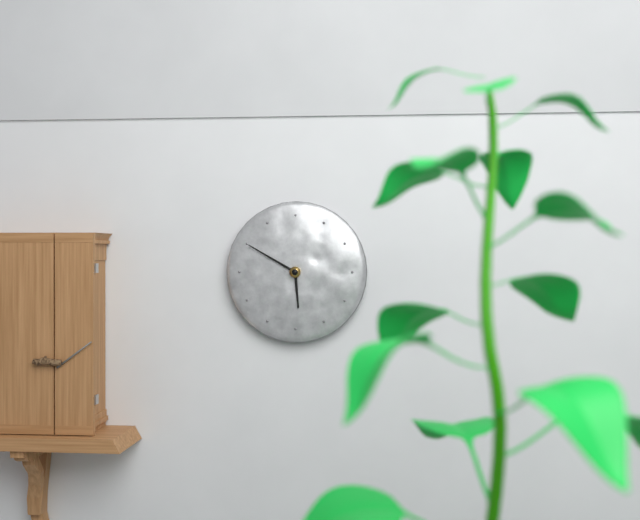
h=5 m=50
